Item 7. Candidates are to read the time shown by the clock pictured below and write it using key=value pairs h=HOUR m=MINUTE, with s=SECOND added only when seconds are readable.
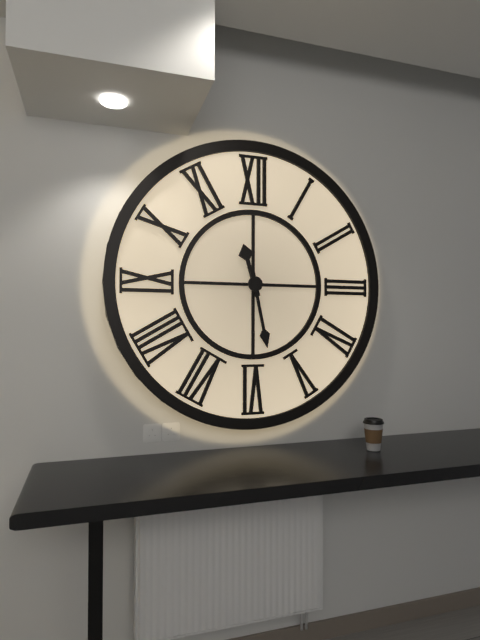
h=11 m=28
